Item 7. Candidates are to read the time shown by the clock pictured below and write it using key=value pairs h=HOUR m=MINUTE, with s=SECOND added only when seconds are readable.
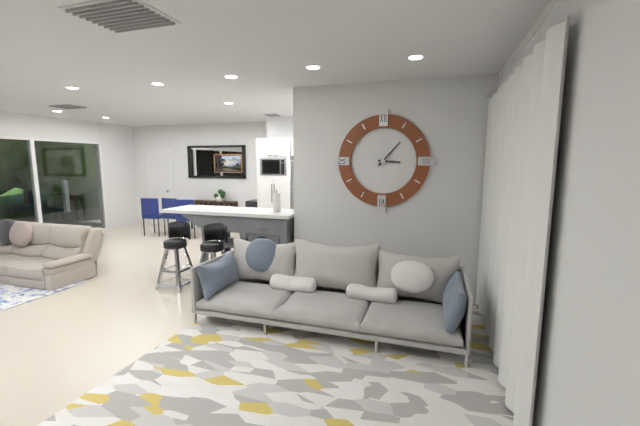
h=3 m=7
